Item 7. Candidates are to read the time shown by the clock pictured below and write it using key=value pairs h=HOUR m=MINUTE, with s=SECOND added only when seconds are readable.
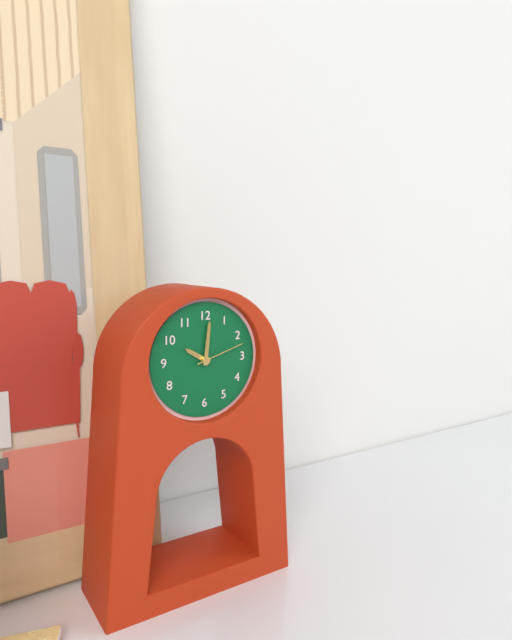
h=10 m=1
